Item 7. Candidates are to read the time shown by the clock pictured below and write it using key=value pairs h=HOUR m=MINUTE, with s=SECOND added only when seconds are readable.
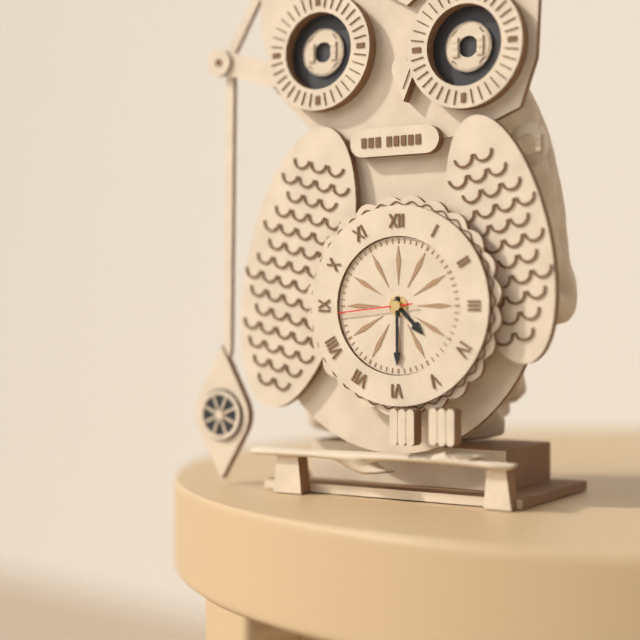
h=4 m=30 s=44
